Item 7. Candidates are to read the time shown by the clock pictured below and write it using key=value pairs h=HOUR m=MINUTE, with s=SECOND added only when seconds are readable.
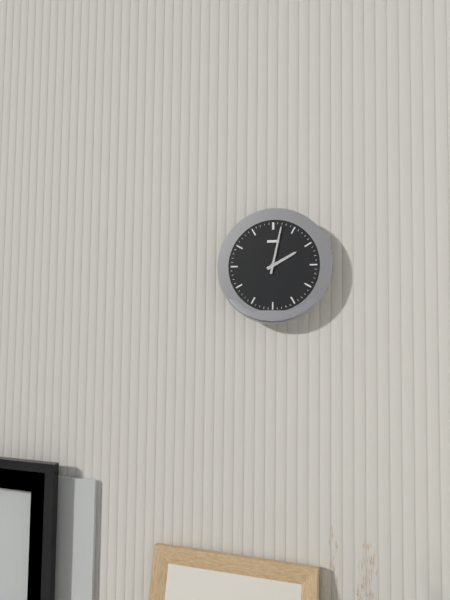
h=2 m=2
